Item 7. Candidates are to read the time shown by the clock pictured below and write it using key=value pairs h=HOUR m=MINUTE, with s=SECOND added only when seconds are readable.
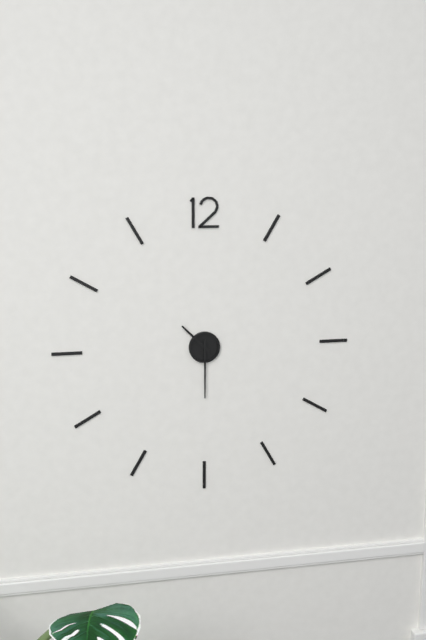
h=10 m=30
